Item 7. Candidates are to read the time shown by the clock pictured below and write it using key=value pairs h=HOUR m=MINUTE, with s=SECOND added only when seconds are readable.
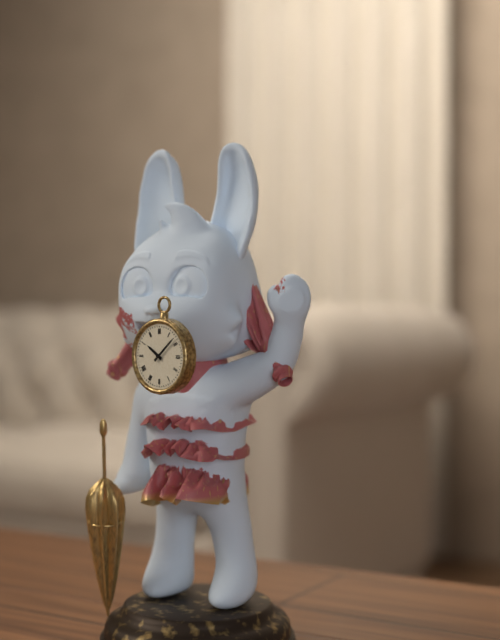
h=10 m=8
